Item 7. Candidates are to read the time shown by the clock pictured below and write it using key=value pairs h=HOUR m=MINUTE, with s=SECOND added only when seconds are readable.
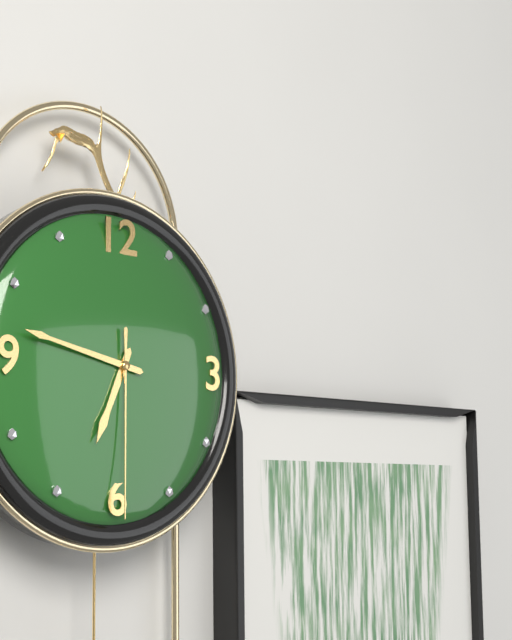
h=6 m=47 s=30
